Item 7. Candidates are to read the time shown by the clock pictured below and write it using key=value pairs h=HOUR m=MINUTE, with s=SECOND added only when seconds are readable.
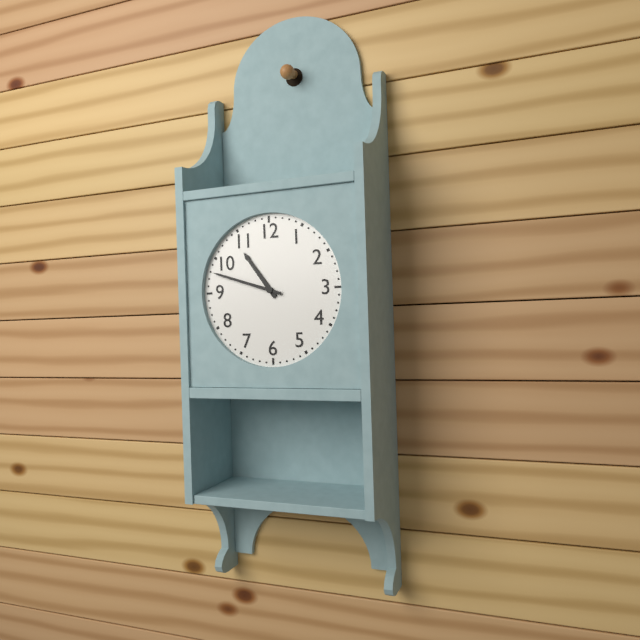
h=10 m=48
